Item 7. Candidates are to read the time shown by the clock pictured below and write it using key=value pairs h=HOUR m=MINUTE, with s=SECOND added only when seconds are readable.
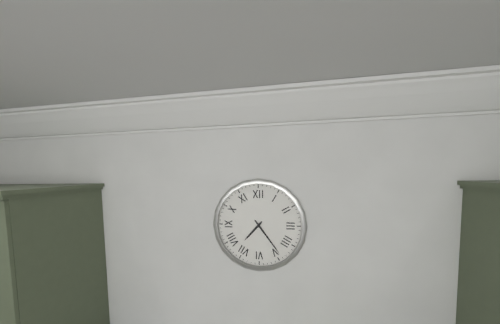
h=7 m=24
